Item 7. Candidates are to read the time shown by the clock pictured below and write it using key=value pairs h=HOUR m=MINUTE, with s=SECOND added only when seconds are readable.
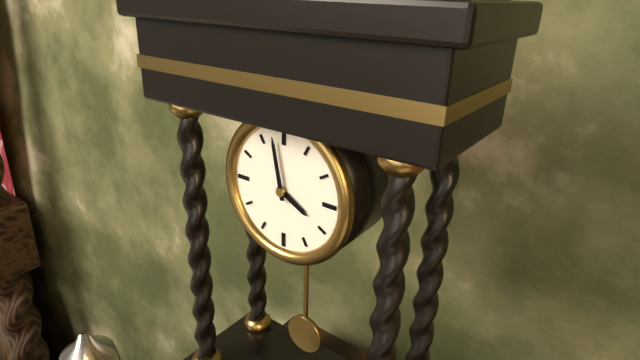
h=3 m=58
